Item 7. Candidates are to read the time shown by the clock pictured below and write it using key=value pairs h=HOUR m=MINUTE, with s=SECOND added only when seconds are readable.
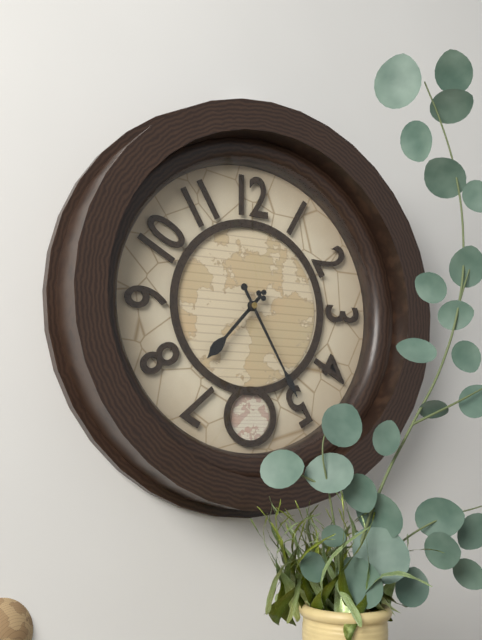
h=7 m=25
